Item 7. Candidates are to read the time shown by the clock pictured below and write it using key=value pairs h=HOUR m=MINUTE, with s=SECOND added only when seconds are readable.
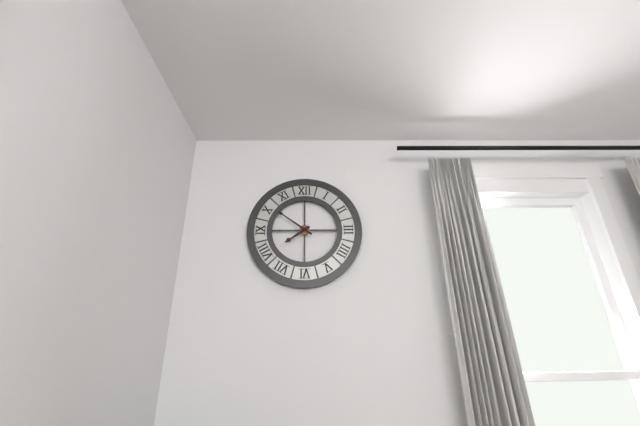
h=7 m=51
